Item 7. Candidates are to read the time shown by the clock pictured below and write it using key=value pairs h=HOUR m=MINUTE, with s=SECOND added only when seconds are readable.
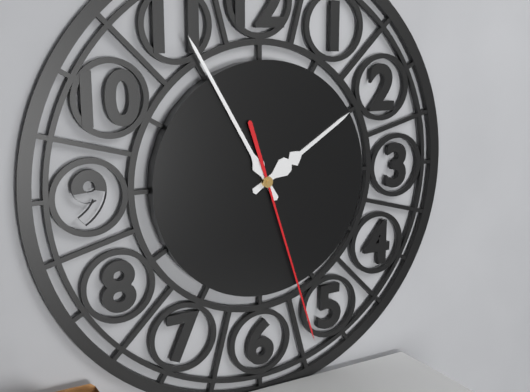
h=1 m=55 s=27
